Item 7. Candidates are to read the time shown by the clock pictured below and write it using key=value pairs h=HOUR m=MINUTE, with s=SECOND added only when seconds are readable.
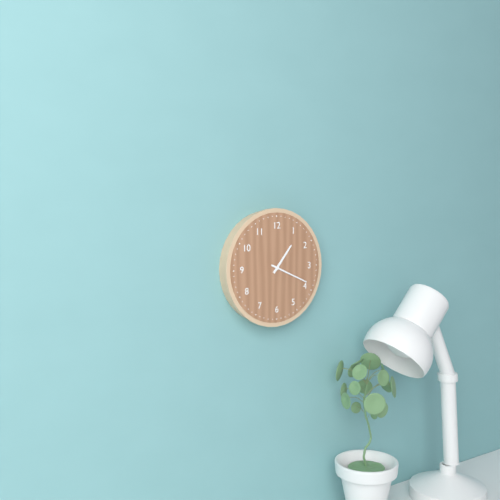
h=1 m=19
